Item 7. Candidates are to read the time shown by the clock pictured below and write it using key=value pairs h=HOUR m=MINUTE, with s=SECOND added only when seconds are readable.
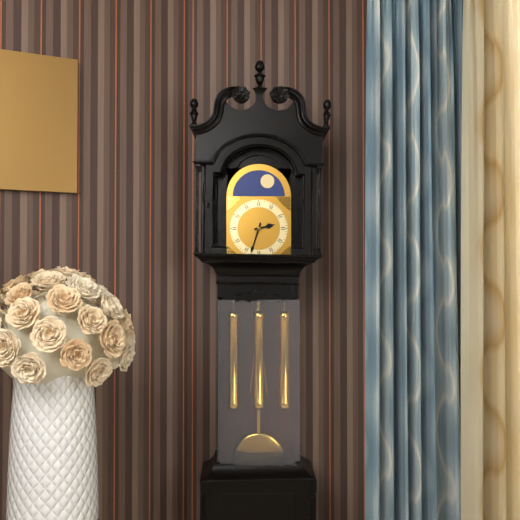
h=2 m=33
